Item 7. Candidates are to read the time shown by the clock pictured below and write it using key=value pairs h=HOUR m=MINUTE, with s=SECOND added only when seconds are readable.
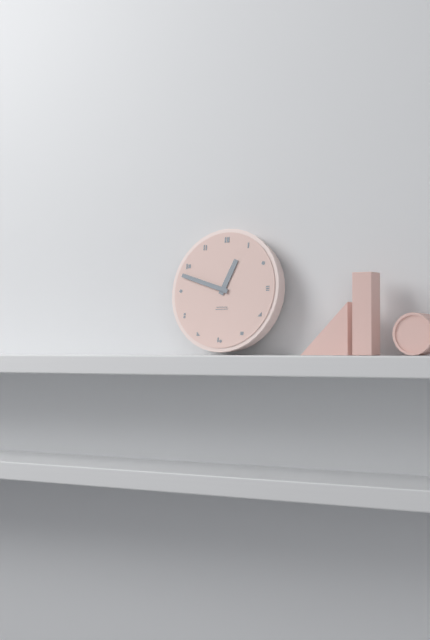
h=12 m=48
